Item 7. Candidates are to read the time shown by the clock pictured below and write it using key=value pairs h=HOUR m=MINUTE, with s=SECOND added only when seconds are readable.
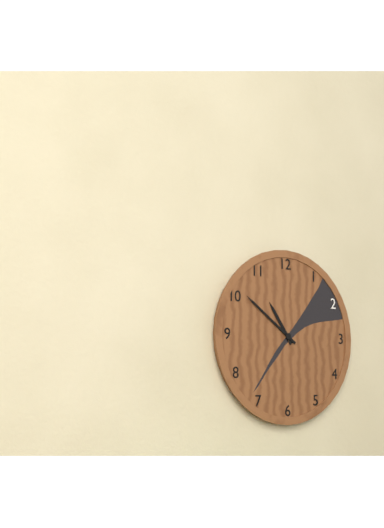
h=10 m=51
